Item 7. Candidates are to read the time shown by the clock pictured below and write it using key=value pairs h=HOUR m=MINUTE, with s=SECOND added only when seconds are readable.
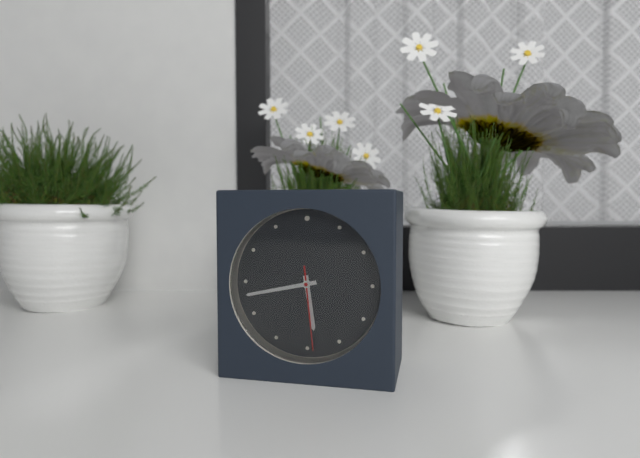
h=5 m=43 s=29
